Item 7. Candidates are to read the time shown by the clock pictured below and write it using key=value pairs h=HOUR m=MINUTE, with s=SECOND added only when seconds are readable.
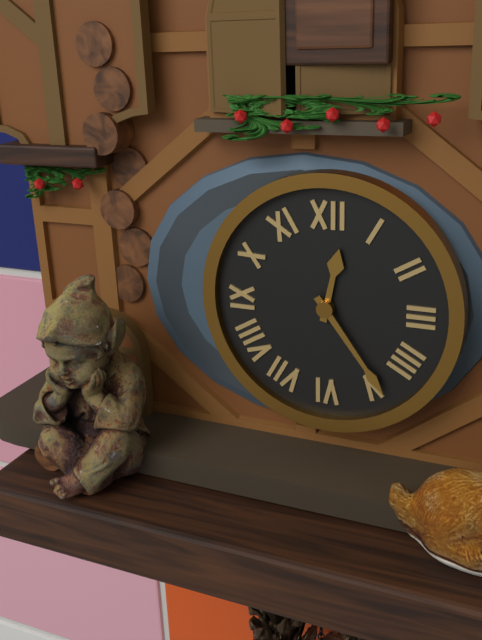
h=12 m=24
